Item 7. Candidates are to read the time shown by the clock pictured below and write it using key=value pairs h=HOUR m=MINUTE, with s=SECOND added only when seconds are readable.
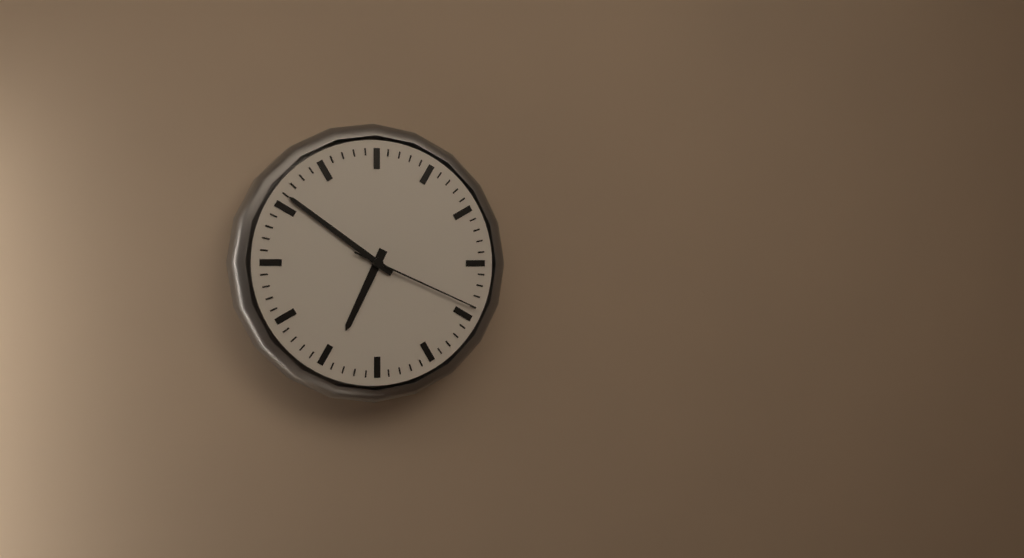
h=6 m=51 s=19
